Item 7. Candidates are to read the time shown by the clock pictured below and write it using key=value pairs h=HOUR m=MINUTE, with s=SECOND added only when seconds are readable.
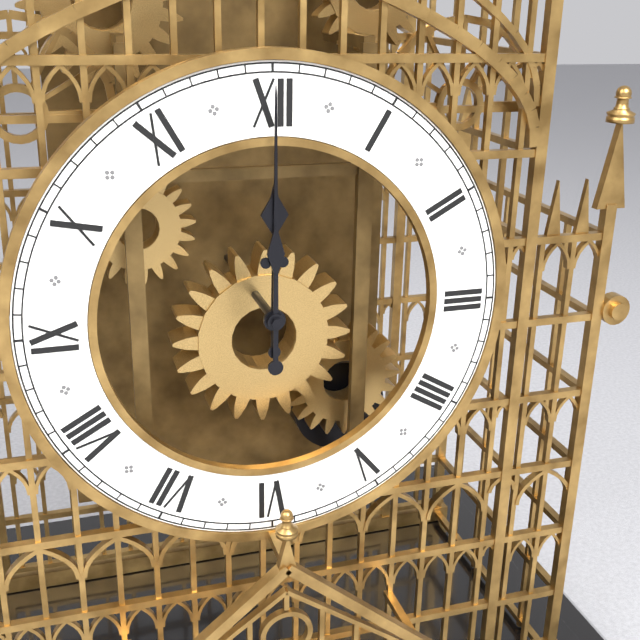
h=12 m=0
